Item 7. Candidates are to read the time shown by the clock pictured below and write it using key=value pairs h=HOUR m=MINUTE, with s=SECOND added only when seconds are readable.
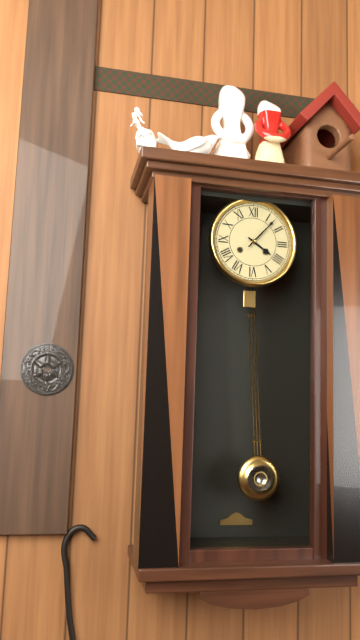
h=4 m=7
